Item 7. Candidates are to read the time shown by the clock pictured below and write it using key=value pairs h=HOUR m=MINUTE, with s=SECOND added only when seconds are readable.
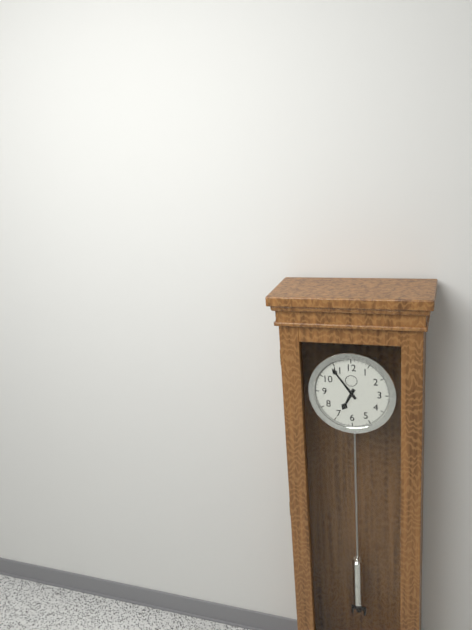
h=6 m=54
